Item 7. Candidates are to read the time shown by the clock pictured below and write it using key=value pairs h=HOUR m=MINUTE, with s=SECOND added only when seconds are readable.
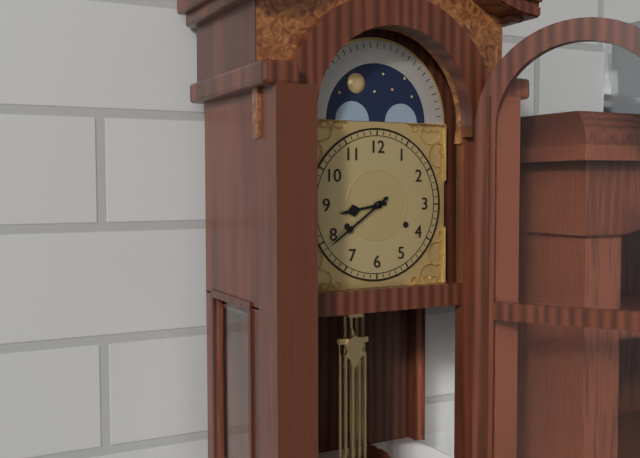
h=8 m=39
